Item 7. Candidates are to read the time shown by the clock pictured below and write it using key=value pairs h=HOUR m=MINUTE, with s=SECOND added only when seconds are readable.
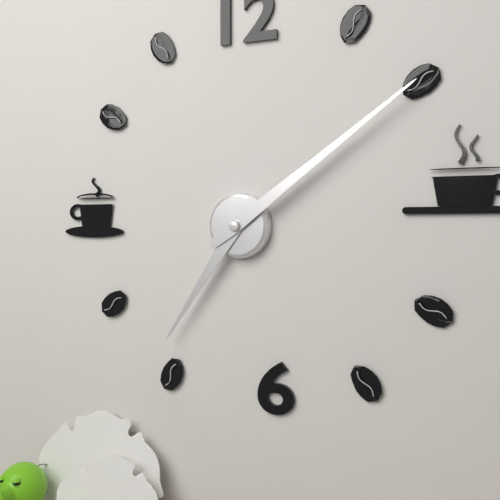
h=7 m=9
